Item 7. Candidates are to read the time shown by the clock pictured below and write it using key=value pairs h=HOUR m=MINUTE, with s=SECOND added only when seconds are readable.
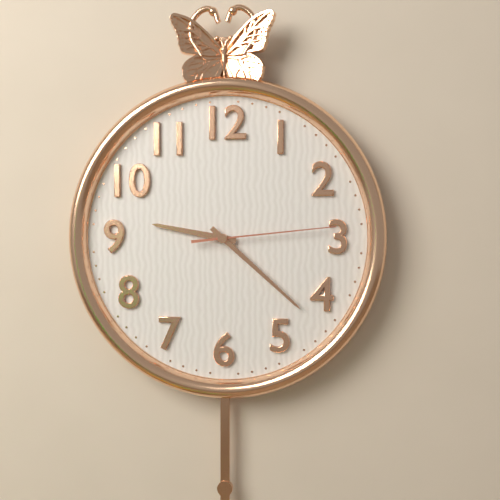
h=9 m=22 s=14
